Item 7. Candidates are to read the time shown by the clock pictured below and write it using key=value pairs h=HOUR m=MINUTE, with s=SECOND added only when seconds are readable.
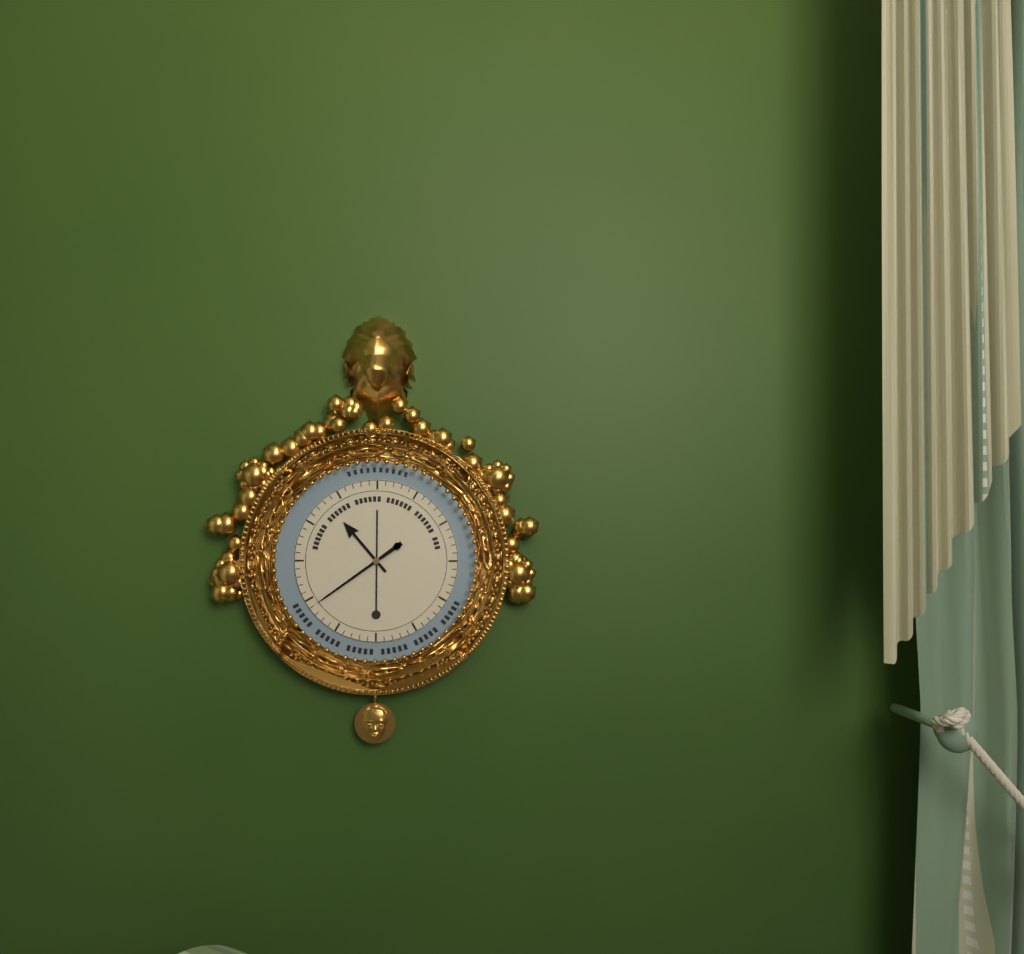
h=10 m=39
